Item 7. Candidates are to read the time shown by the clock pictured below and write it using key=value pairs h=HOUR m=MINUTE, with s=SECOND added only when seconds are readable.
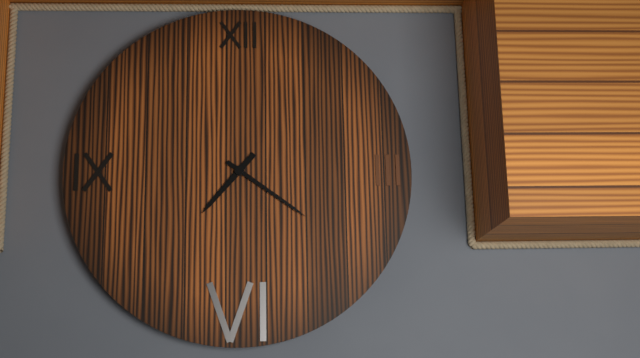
h=7 m=21
